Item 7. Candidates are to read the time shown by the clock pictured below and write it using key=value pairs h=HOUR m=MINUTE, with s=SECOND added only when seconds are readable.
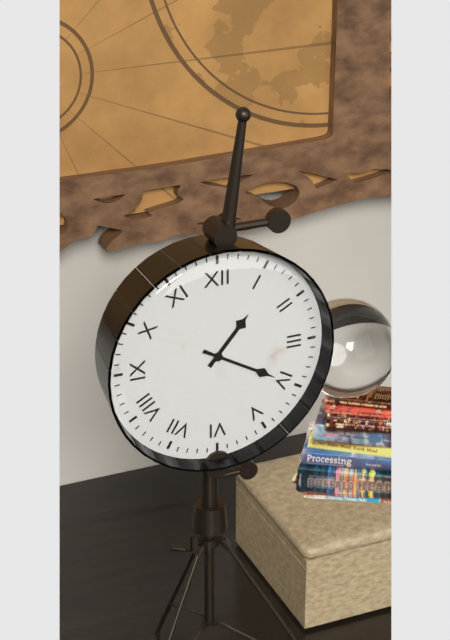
h=1 m=20
